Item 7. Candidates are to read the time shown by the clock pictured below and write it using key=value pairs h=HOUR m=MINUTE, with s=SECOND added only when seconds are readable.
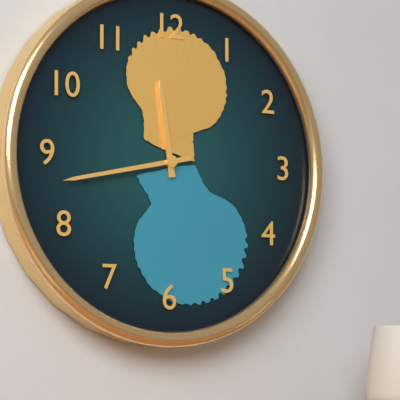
h=11 m=43
